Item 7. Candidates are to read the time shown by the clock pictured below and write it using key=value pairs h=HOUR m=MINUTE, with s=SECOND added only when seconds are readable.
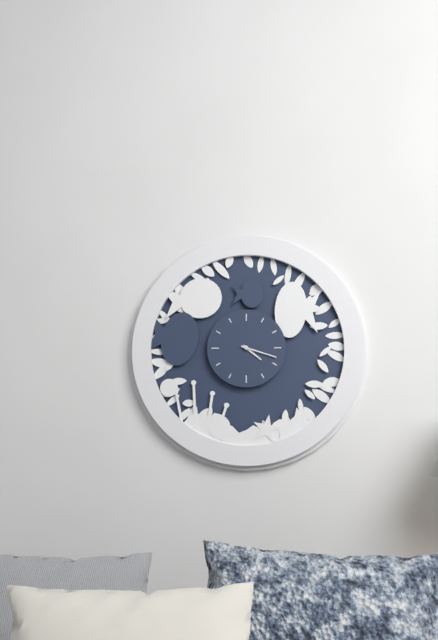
h=4 m=18
